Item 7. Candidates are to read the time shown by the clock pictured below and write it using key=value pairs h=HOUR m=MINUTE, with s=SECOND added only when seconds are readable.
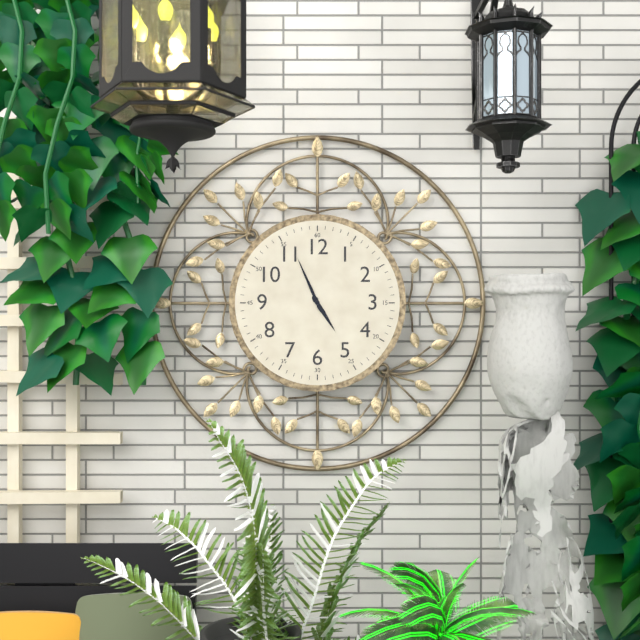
h=4 m=56
